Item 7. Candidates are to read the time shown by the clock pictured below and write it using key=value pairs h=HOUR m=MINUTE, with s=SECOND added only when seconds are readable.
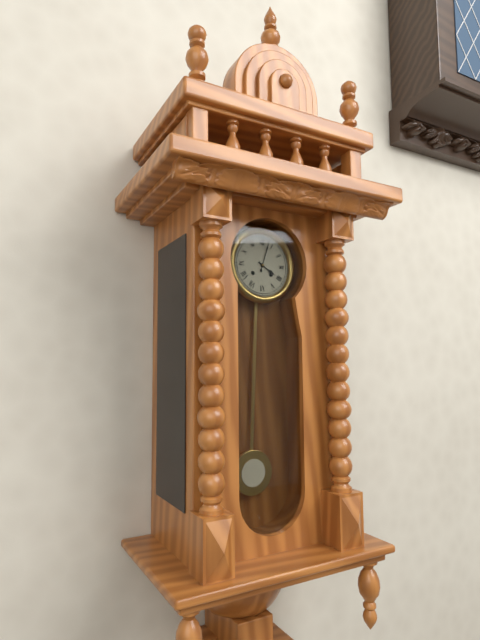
h=4 m=3
